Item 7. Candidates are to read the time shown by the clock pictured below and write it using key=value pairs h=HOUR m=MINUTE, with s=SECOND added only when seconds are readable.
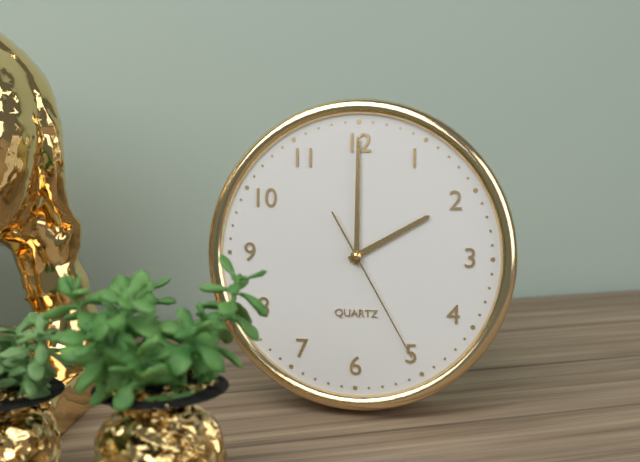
h=2 m=0 s=25
